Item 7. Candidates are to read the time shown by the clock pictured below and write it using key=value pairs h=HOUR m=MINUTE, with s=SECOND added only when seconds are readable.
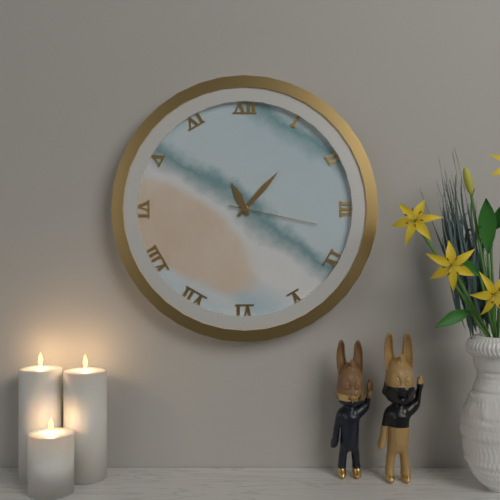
h=11 m=7 s=17
